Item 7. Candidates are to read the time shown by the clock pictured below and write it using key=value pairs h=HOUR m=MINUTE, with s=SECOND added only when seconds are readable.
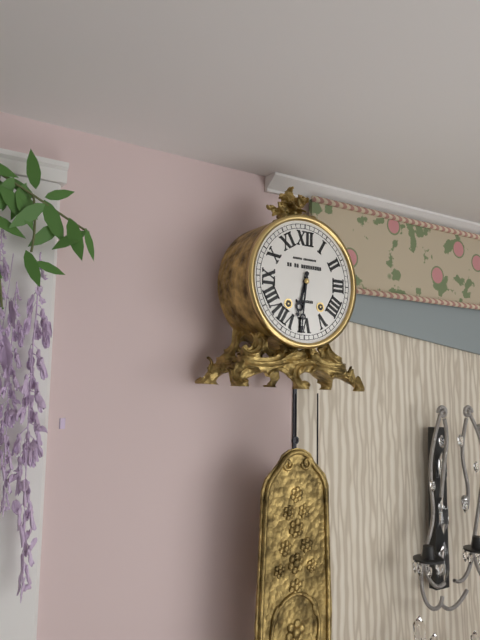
h=6 m=31
